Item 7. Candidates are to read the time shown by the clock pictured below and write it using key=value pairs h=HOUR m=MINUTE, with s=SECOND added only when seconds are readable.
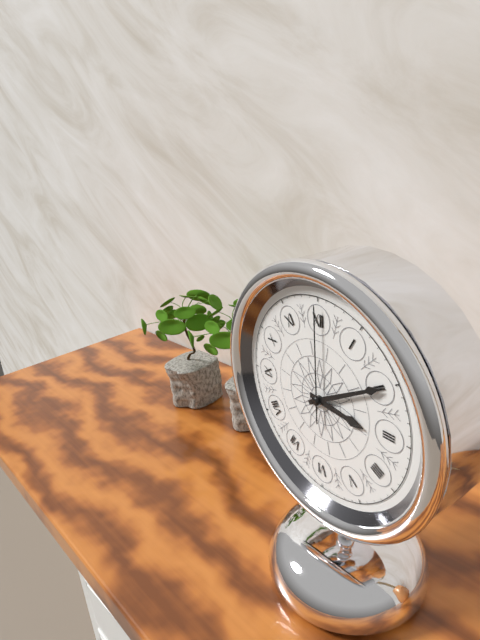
h=3 m=10 s=0
